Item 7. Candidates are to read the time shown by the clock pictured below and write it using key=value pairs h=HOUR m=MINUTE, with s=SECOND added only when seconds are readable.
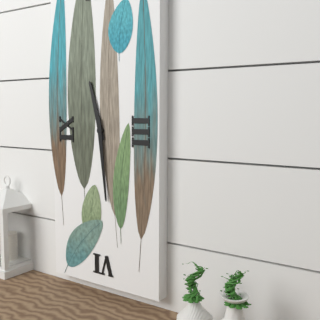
h=11 m=29
